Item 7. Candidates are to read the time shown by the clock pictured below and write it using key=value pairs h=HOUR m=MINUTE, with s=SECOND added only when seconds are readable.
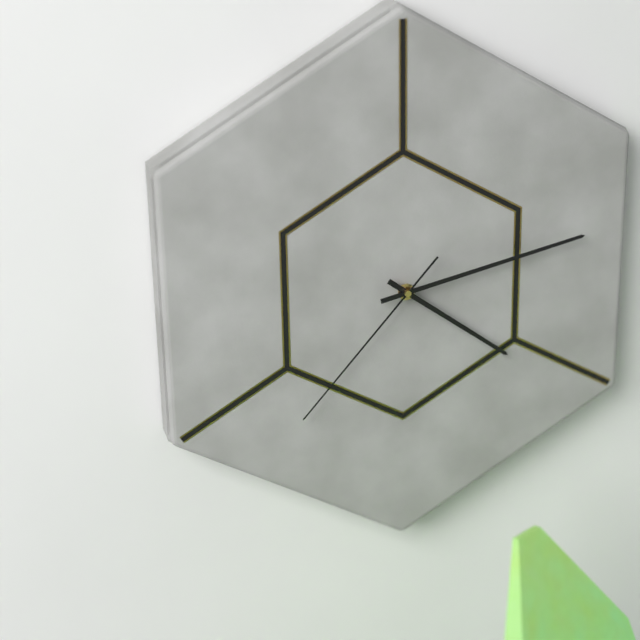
h=4 m=13 s=37
